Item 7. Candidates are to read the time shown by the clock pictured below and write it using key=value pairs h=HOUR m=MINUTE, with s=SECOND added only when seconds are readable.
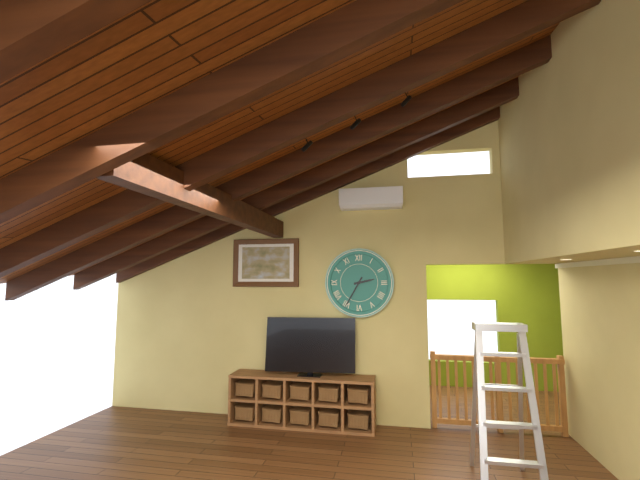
h=2 m=35
